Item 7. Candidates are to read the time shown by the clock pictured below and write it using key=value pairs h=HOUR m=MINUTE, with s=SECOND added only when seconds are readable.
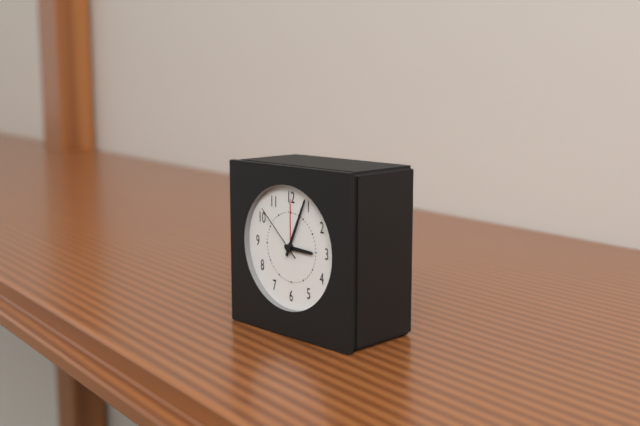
h=3 m=4 s=52
